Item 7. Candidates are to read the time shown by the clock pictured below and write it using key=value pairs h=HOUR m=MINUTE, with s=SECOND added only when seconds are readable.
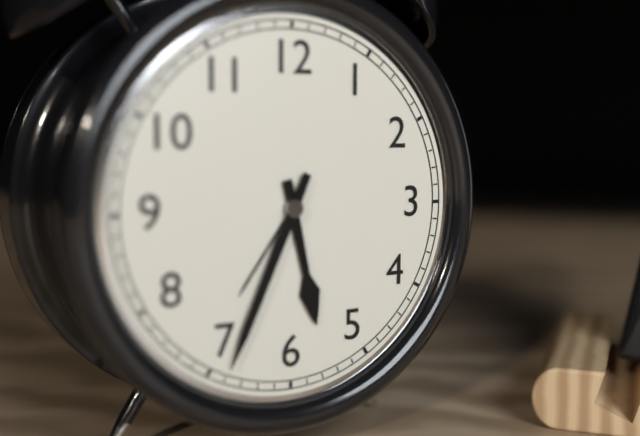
h=5 m=34
